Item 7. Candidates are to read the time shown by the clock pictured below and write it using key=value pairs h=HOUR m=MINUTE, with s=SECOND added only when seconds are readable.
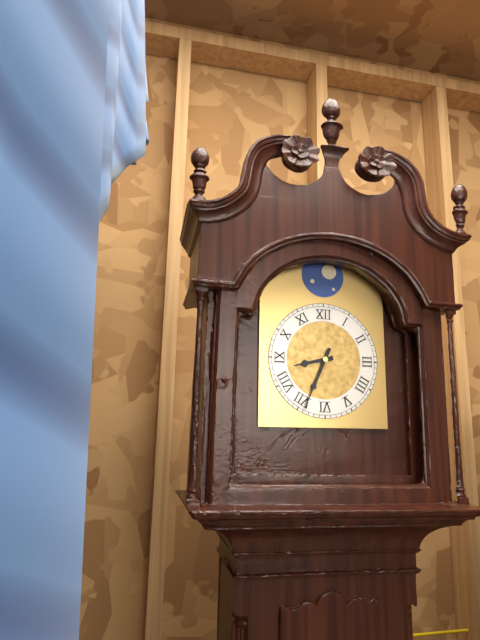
h=8 m=34
